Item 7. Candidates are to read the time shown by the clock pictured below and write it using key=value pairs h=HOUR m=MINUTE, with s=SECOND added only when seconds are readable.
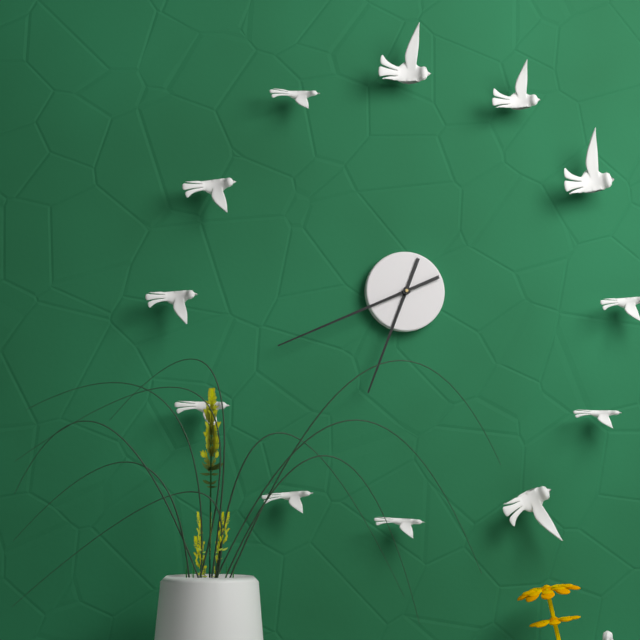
h=6 m=41
